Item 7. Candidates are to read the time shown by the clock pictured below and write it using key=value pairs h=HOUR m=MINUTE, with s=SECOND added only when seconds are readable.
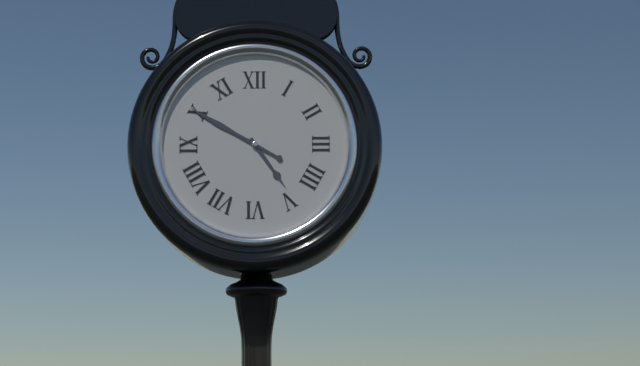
h=4 m=50
